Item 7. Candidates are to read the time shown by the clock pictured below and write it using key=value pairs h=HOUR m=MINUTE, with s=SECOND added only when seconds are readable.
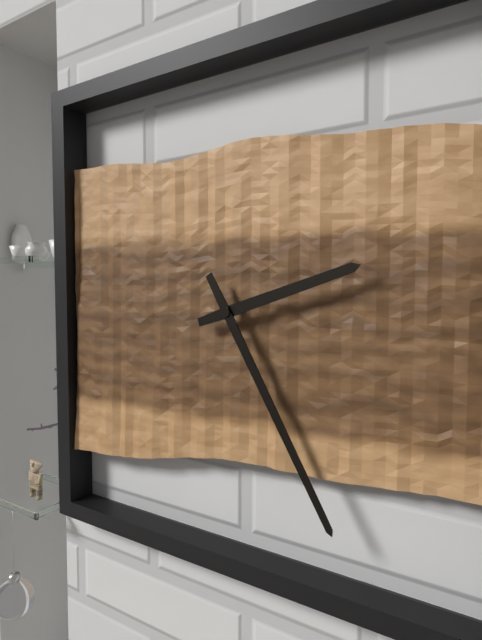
h=2 m=25
